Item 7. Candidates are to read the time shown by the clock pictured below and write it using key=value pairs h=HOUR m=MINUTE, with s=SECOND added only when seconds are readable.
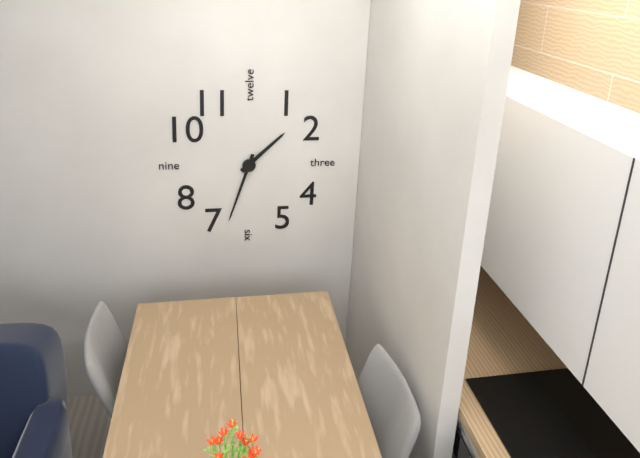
h=1 m=33
